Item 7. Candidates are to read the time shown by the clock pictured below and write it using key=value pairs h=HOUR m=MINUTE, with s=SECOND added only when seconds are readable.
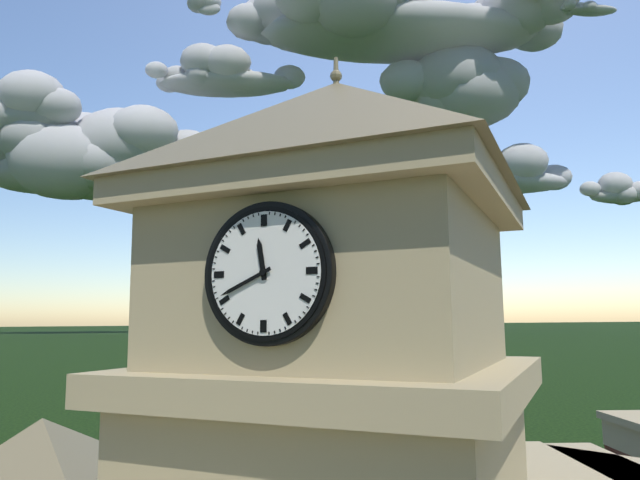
h=11 m=41
